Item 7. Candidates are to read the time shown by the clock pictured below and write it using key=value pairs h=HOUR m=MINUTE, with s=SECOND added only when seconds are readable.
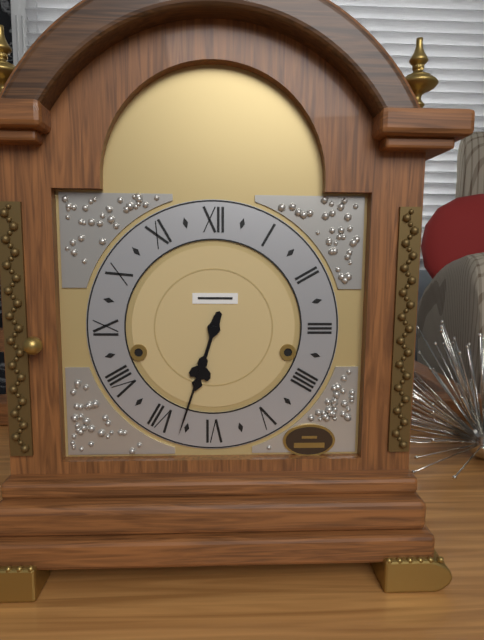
h=6 m=33
